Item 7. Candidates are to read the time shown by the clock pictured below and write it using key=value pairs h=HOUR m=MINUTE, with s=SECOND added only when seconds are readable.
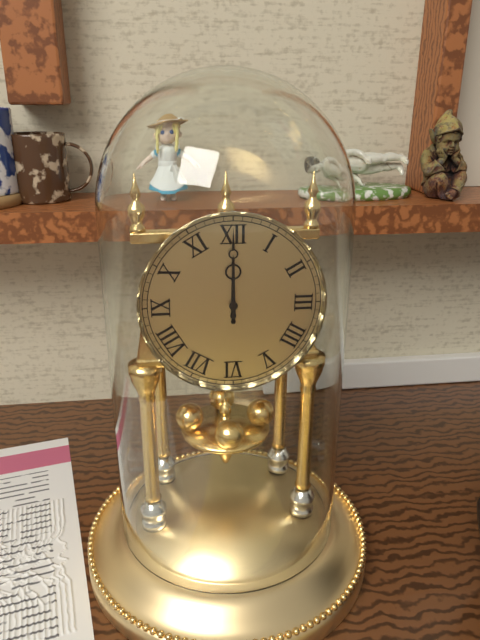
h=12 m=0
